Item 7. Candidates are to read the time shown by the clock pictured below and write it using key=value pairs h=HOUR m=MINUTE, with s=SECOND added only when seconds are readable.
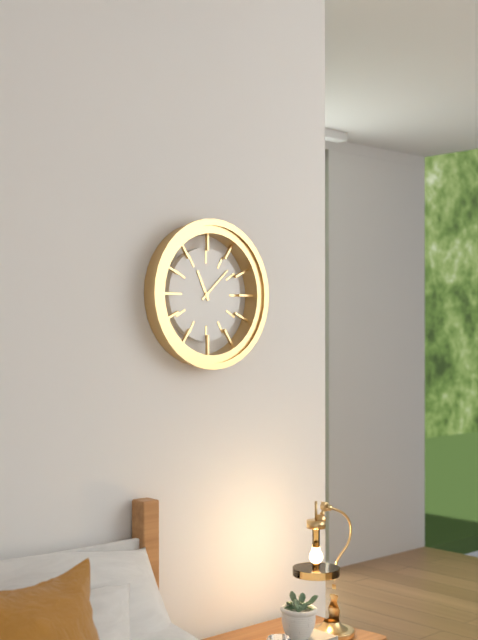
h=11 m=8
